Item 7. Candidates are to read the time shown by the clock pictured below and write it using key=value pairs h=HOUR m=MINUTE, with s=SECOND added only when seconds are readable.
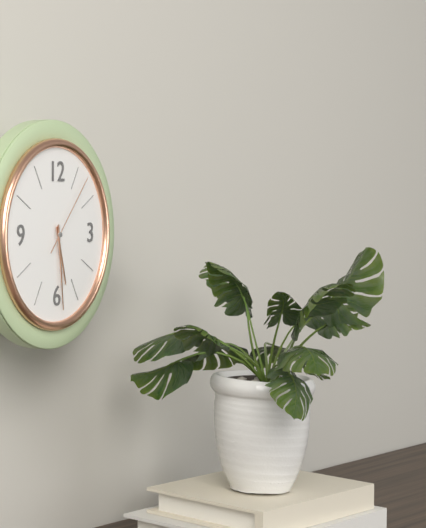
h=5 m=29 s=7
